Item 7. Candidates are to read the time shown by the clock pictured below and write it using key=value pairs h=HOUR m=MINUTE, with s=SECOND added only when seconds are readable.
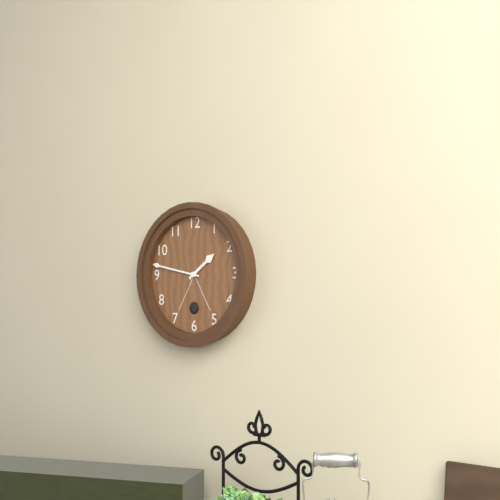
h=1 m=47
